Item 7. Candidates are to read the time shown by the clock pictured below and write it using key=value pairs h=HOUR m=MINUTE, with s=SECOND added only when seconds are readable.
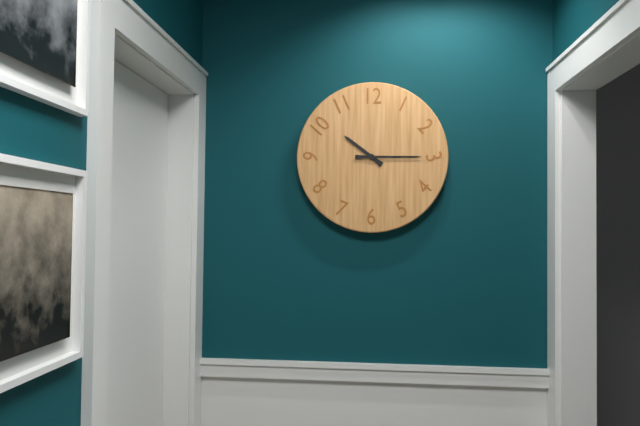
h=10 m=15
